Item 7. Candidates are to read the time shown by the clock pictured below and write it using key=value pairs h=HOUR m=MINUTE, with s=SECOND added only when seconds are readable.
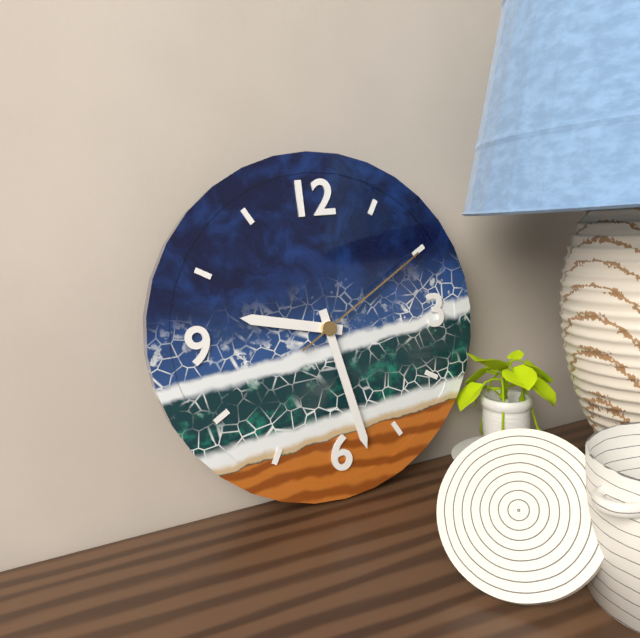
h=9 m=28 s=10
